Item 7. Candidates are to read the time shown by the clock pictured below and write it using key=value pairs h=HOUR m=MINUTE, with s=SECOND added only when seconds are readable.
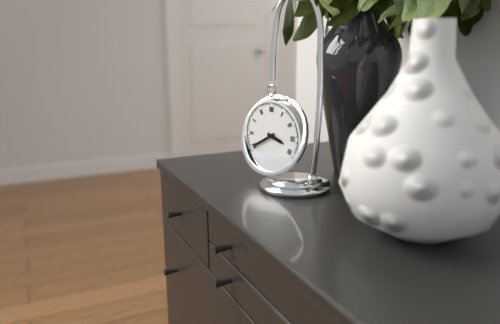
h=3 m=40
